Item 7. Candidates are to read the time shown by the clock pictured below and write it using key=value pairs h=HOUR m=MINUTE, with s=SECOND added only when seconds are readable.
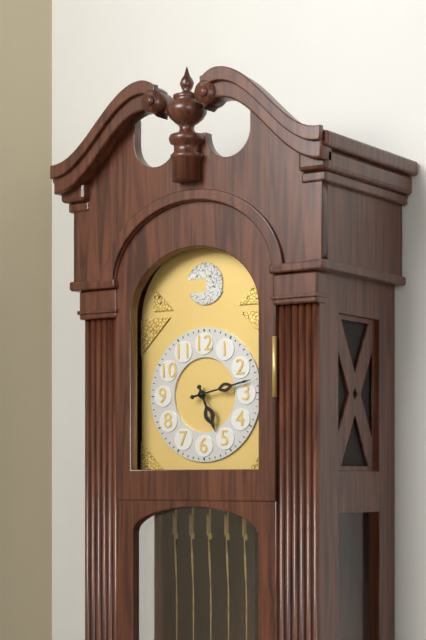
h=5 m=13
